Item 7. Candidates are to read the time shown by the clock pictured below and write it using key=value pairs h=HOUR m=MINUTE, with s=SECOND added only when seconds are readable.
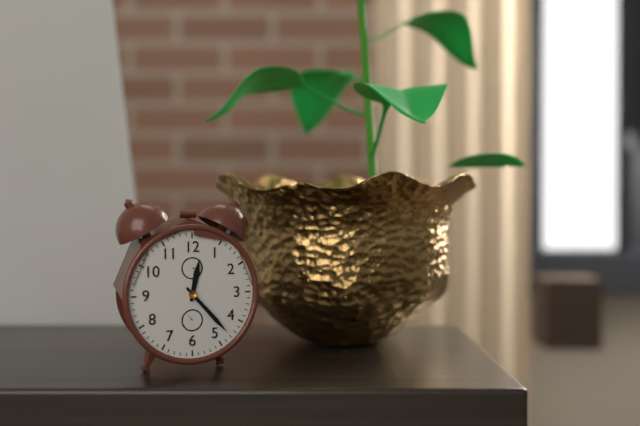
h=12 m=23
